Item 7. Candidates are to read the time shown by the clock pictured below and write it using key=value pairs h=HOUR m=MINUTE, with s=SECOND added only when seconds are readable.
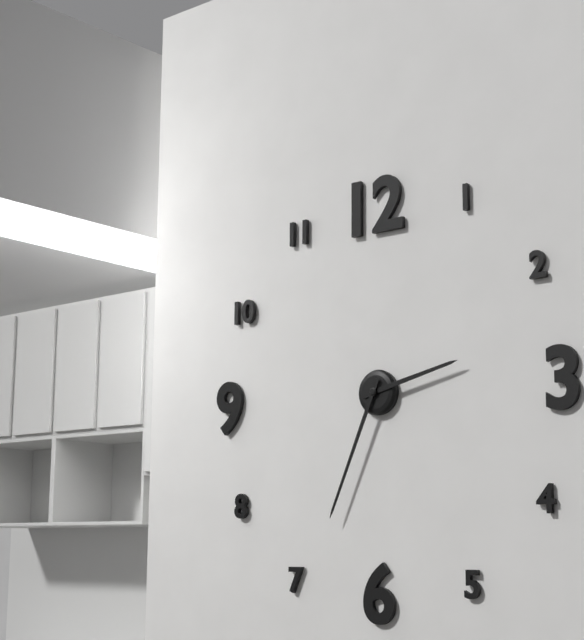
h=2 m=34
